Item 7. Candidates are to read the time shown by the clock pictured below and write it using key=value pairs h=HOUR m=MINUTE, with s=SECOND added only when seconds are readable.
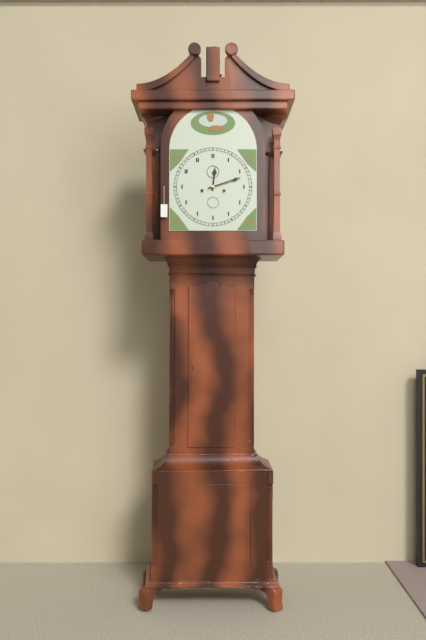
h=12 m=12
